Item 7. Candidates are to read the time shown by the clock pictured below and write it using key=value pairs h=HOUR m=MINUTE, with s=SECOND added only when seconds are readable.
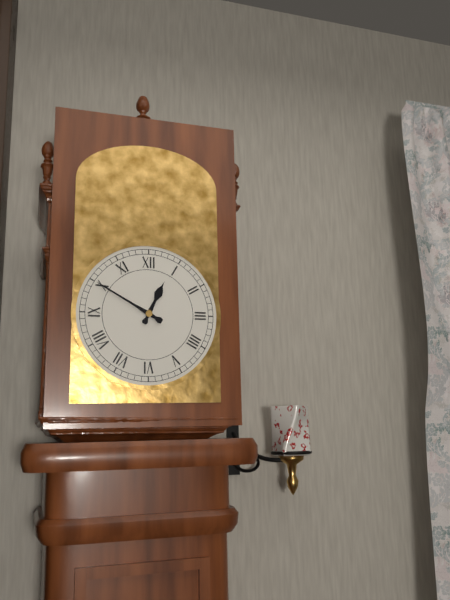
h=12 m=50
